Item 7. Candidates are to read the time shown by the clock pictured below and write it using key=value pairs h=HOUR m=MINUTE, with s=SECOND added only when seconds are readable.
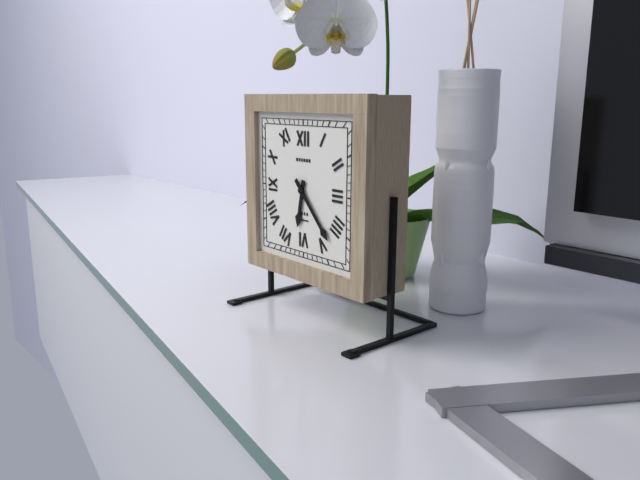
h=6 m=23
